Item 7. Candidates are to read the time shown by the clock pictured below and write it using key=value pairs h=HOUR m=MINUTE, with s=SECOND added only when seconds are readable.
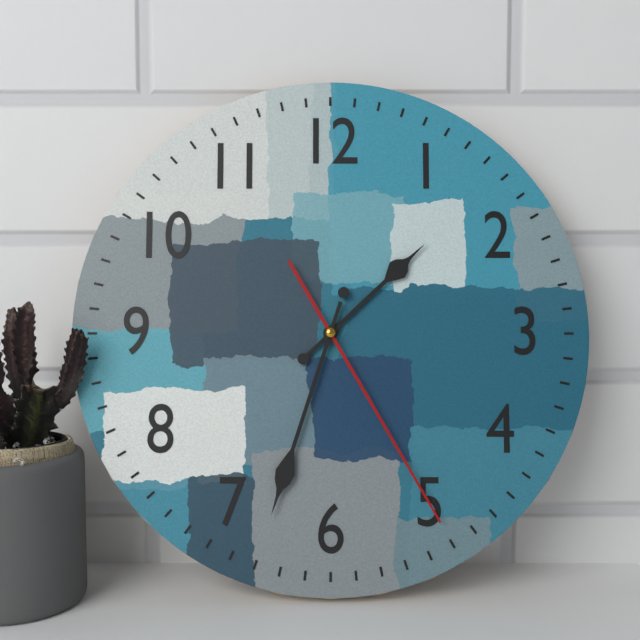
h=1 m=33 s=25
